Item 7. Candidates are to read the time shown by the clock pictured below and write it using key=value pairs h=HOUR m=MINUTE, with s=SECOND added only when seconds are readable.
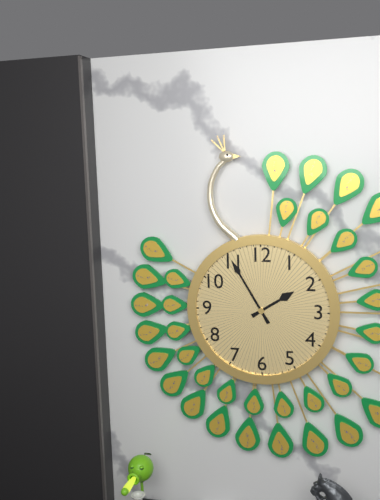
h=1 m=55
